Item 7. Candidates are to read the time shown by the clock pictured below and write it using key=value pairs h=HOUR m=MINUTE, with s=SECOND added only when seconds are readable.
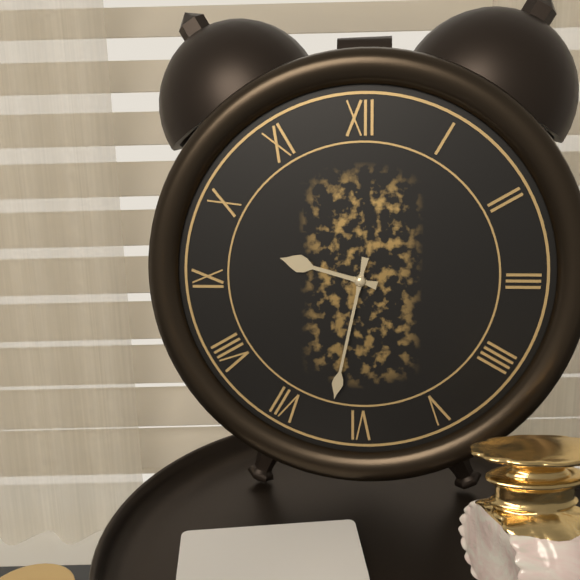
h=9 m=32
